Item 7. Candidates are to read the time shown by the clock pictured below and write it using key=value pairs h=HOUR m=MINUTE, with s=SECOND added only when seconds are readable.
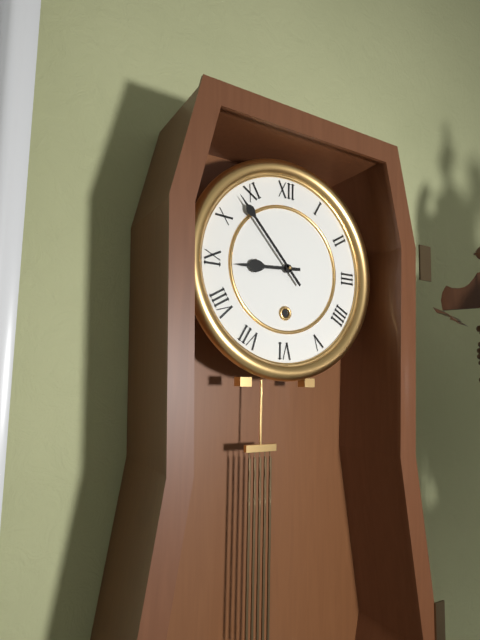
h=8 m=53
